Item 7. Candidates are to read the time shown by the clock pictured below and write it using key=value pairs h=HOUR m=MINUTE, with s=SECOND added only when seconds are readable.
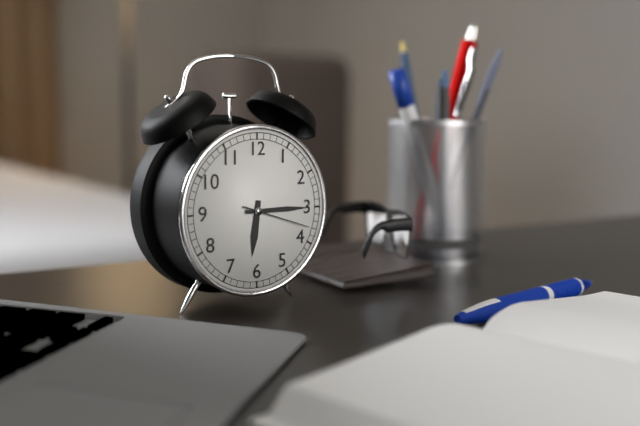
h=6 m=15 s=18
